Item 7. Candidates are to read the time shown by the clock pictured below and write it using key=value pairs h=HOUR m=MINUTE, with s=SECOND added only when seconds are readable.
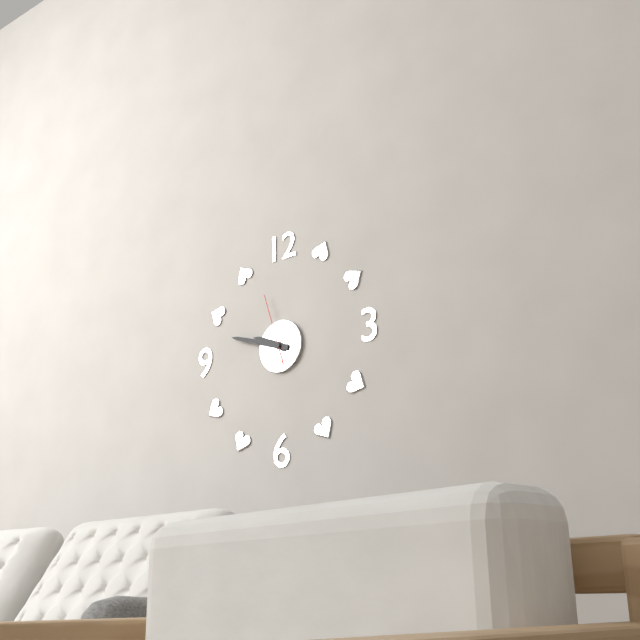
h=9 m=48 s=57
